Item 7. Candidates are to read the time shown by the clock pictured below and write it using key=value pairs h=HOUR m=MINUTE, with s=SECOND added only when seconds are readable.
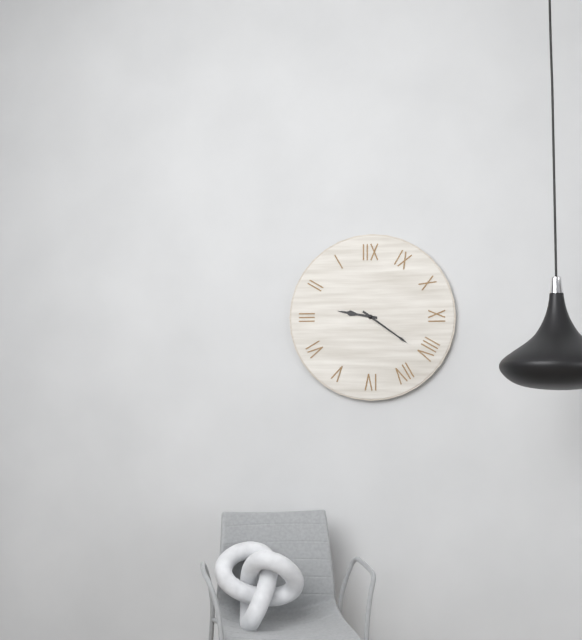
h=9 m=21
